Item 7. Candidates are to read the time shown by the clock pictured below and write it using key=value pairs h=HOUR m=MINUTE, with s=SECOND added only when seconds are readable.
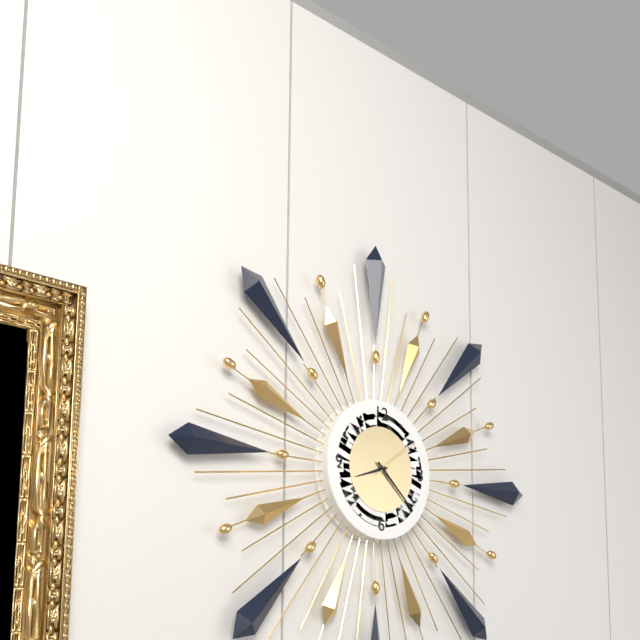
h=8 m=22 s=9
